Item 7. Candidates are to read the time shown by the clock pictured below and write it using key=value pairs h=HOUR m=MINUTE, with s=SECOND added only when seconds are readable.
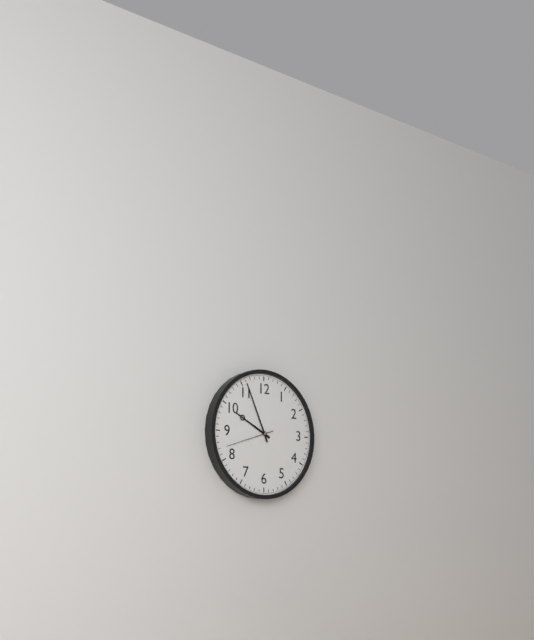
h=9 m=56
